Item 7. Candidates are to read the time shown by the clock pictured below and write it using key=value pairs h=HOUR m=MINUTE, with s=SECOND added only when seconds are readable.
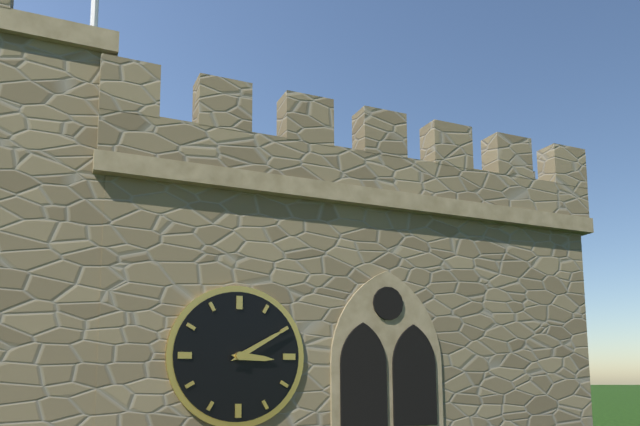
h=3 m=10
